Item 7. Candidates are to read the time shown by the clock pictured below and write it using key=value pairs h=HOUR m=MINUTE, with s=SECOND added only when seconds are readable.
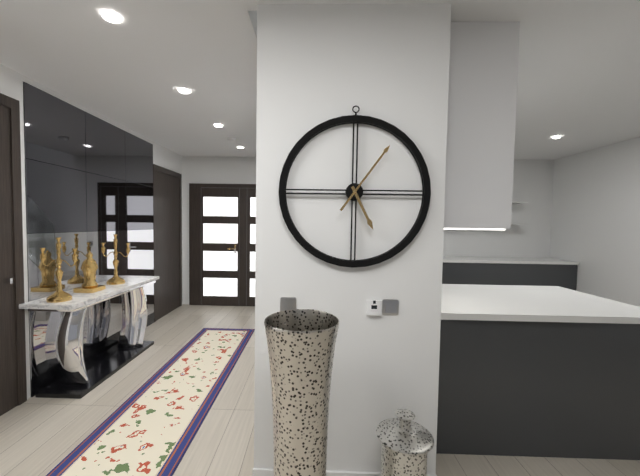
h=5 m=6
